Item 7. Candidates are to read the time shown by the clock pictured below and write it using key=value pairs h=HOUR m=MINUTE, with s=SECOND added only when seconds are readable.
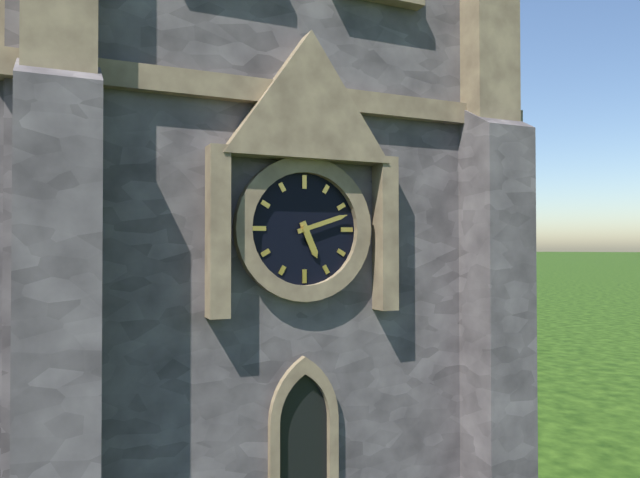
h=5 m=12
